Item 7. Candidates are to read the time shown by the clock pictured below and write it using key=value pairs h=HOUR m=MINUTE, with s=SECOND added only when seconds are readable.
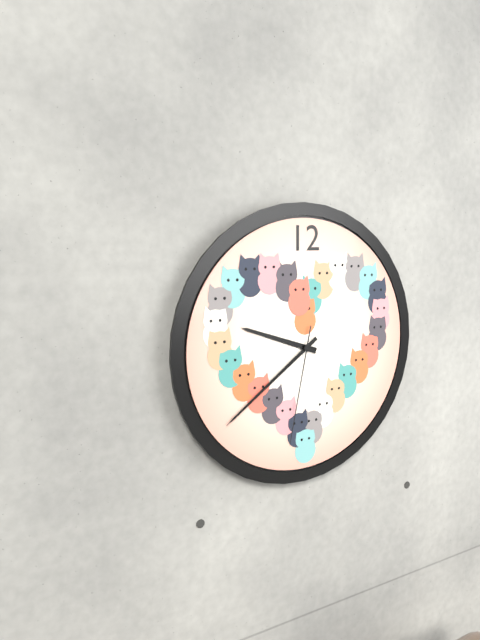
h=9 m=39 s=32
